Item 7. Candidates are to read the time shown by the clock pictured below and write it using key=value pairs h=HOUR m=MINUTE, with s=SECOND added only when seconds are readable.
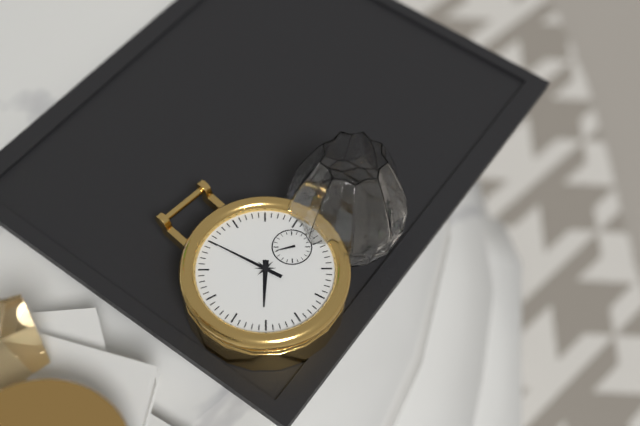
h=9 m=5
